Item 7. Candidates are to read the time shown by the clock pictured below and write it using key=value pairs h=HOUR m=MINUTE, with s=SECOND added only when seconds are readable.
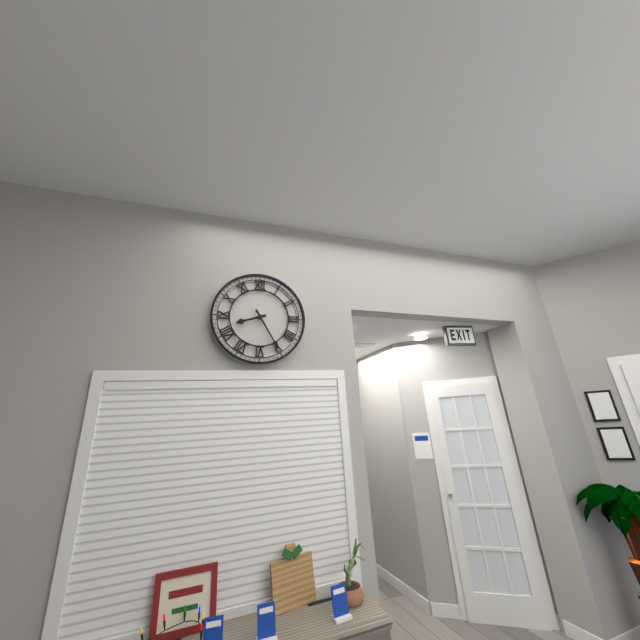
h=8 m=25
